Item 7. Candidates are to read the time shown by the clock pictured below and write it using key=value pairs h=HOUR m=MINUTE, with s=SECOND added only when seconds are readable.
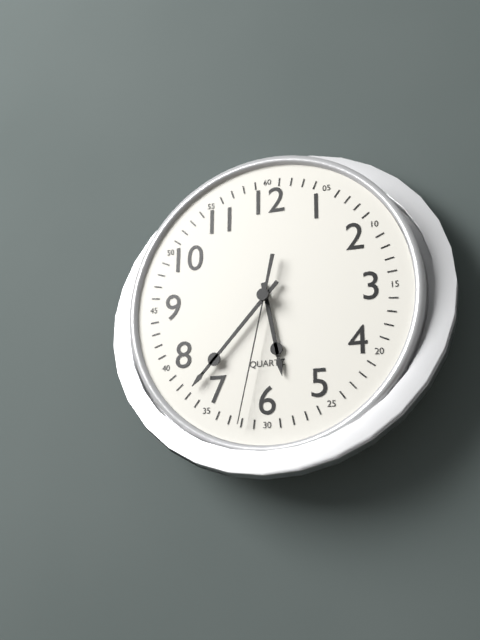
h=5 m=37 s=32
